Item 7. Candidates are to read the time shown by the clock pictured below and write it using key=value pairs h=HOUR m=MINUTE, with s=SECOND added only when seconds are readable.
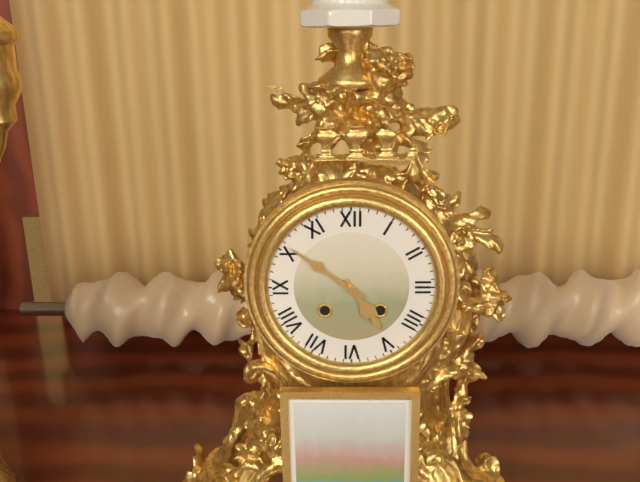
h=4 m=51
